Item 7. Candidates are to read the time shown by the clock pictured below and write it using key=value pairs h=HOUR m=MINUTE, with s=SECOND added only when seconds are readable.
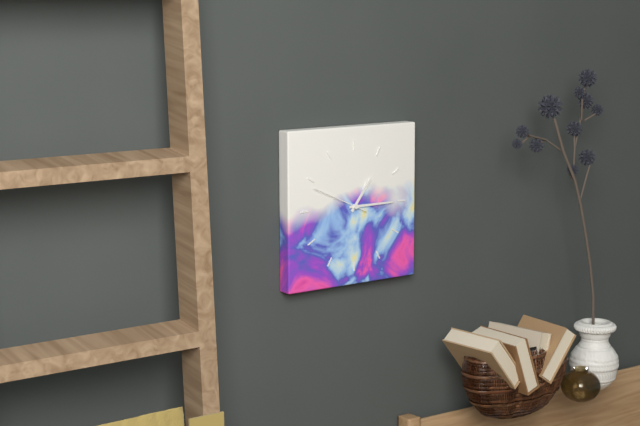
h=1 m=15
